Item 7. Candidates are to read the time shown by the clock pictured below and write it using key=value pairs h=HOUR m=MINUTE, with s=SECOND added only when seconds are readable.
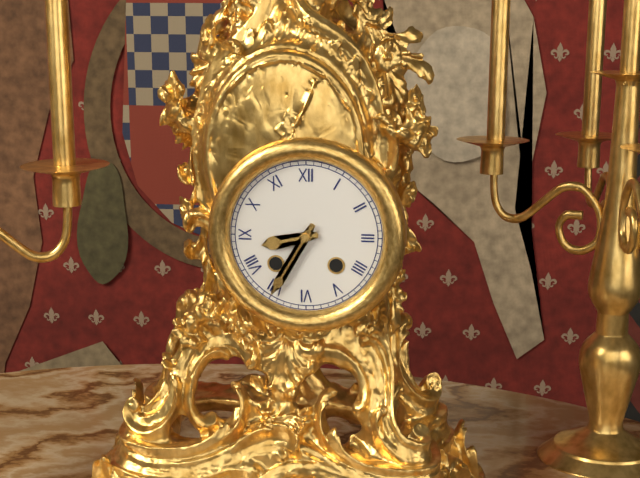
h=8 m=35
